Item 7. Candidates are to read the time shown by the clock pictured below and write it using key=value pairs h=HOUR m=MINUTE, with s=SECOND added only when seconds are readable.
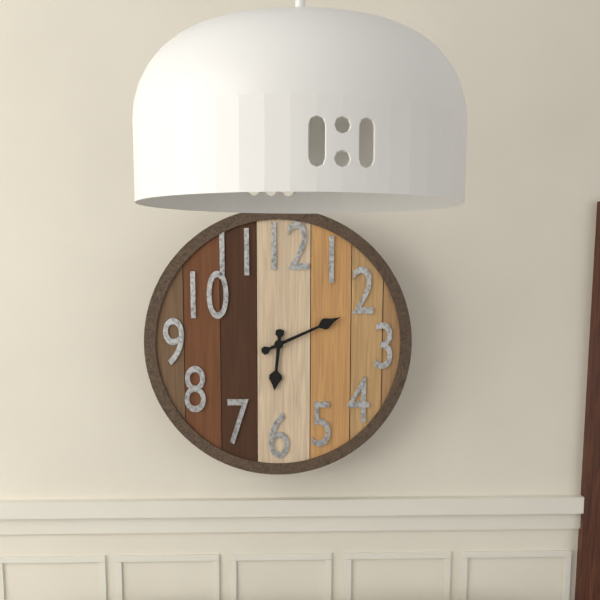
h=6 m=11
